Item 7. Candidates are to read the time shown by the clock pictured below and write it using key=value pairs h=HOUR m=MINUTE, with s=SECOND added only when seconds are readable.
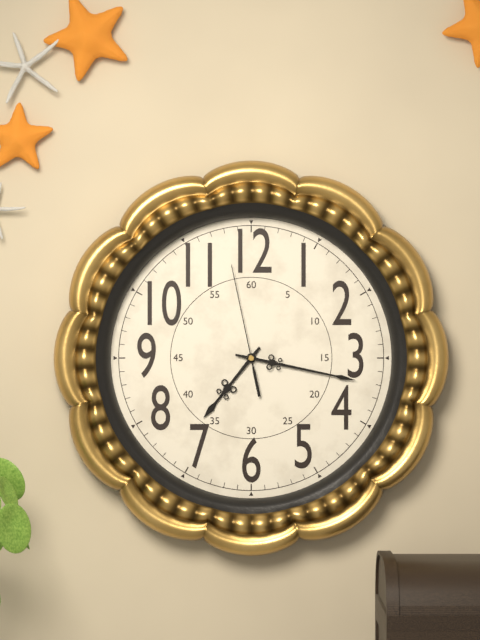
h=7 m=17 s=58
